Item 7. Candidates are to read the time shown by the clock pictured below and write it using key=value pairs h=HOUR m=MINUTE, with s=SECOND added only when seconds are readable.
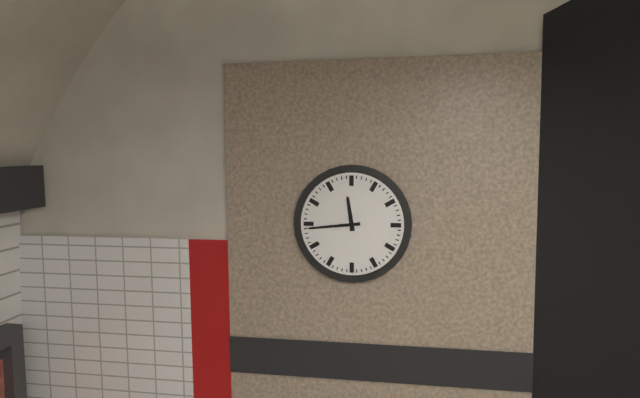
h=11 m=44
